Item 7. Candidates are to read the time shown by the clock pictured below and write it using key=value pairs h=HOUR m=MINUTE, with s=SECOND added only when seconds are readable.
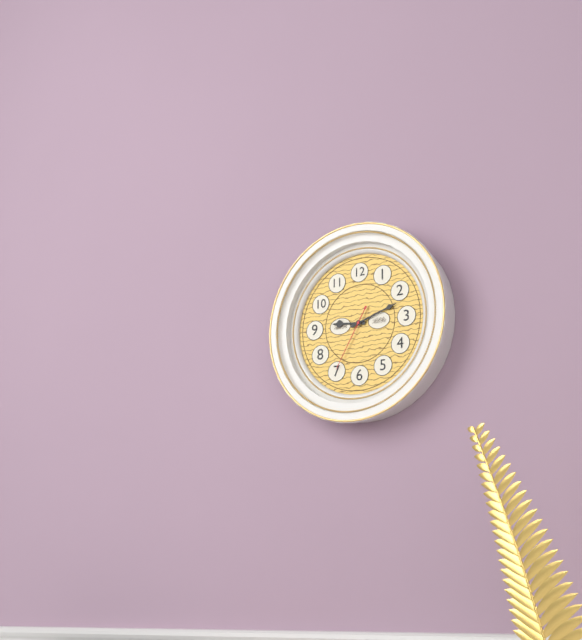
h=9 m=12 s=35
